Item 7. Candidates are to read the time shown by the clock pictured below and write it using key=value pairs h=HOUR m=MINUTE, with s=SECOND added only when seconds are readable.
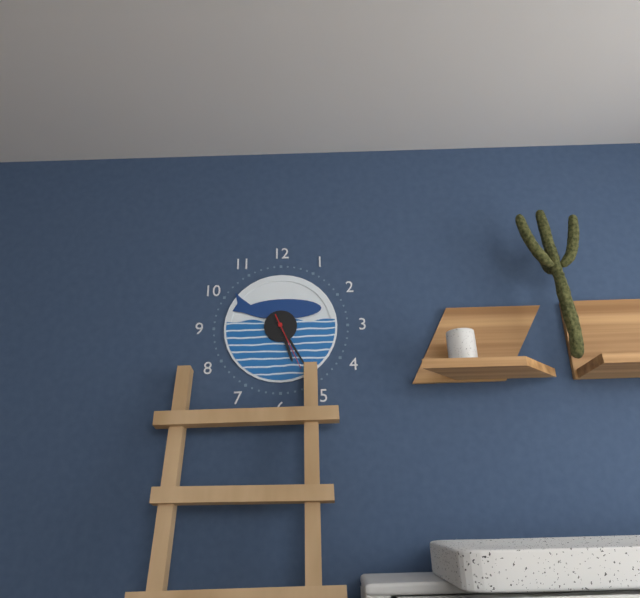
h=5 m=25 s=26
